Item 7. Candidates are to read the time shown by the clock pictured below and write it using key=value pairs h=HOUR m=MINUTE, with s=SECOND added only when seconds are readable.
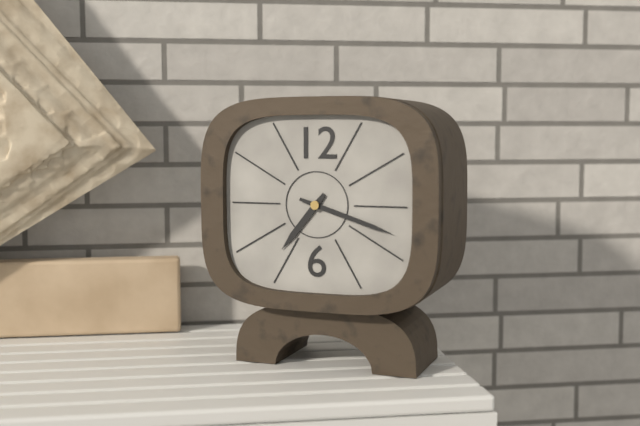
h=7 m=18
